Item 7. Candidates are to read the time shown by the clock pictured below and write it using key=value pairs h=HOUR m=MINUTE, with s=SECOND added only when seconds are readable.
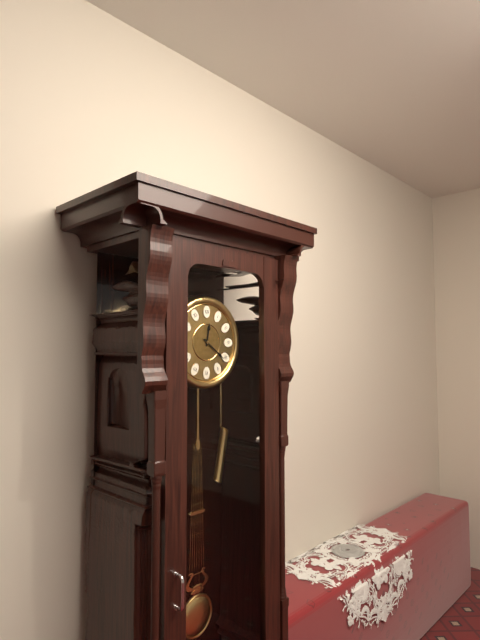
h=12 m=21
